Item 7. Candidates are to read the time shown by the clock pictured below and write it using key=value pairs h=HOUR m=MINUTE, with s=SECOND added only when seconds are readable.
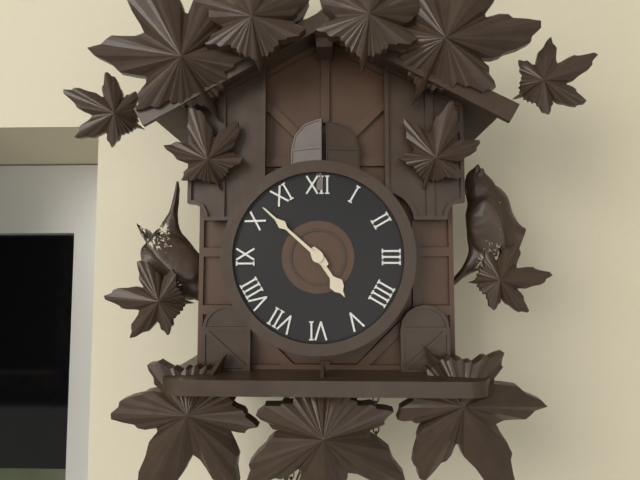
h=4 m=52
